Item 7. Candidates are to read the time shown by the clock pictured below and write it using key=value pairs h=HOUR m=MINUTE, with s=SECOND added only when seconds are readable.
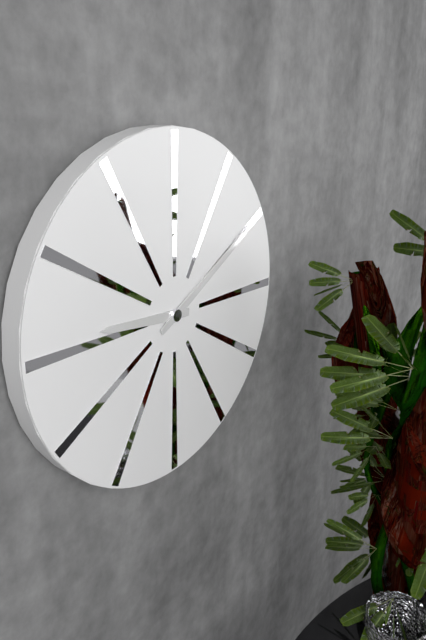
h=9 m=10
